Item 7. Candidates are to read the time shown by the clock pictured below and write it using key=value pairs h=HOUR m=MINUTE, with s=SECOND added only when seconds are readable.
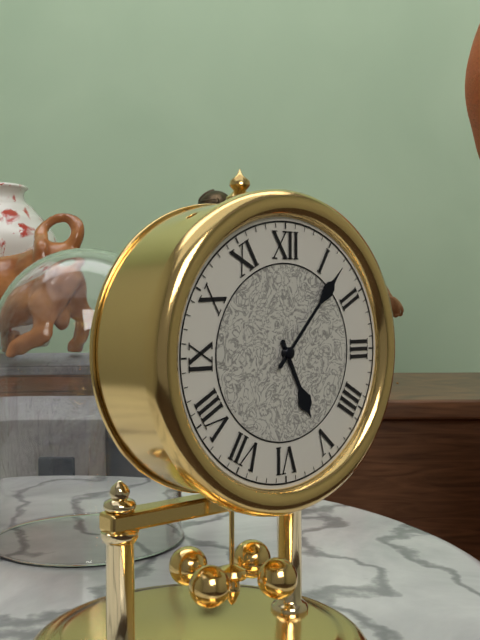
h=5 m=7
